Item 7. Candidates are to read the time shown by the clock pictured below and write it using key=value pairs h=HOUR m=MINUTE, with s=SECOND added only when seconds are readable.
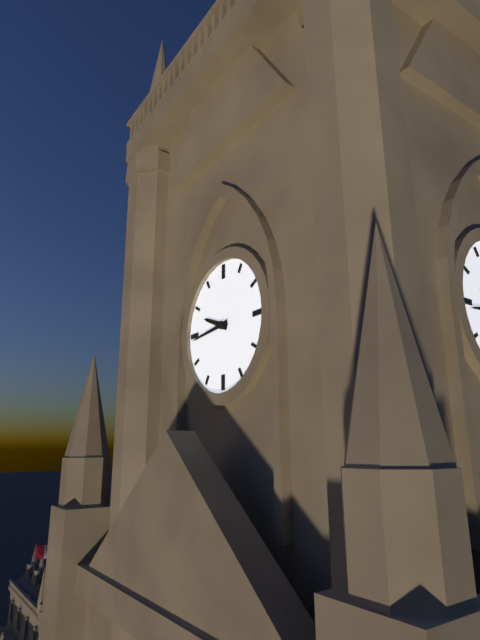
h=9 m=44
